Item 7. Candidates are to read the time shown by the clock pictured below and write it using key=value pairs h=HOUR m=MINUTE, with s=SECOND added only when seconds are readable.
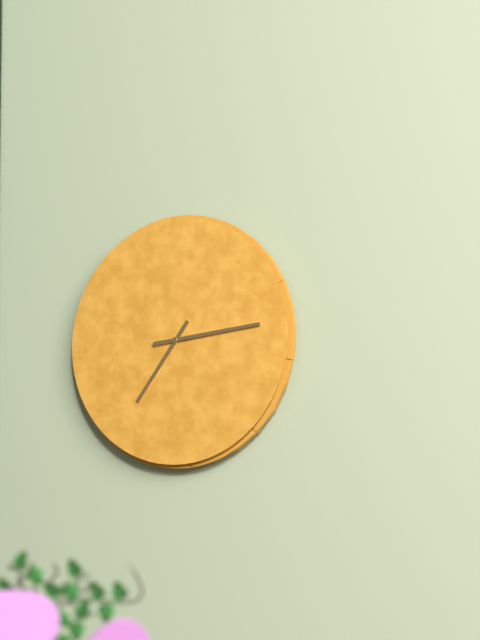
h=7 m=14
